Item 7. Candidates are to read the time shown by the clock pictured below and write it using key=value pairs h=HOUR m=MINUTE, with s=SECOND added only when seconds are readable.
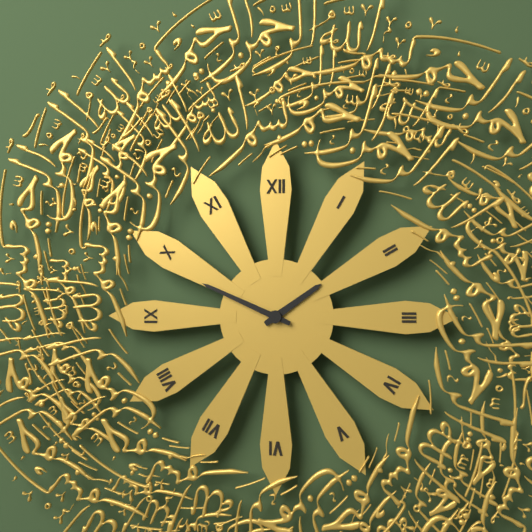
h=1 m=49
